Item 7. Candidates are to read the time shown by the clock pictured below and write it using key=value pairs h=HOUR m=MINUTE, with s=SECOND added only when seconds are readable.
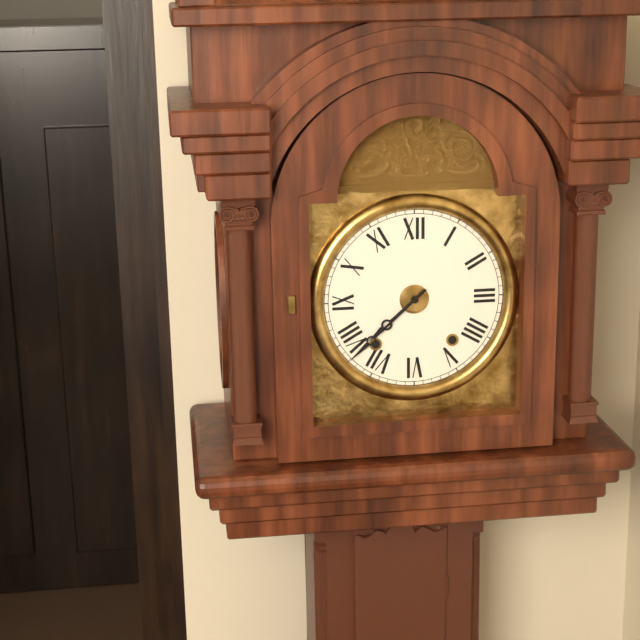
h=7 m=38
